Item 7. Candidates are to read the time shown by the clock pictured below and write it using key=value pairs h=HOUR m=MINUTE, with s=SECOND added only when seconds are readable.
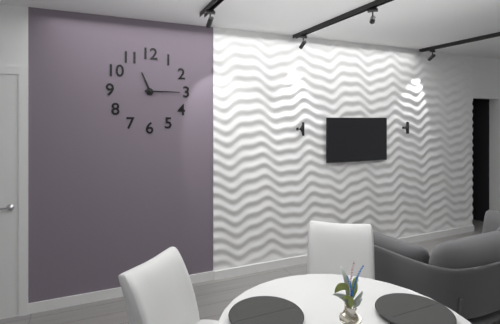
h=11 m=15
